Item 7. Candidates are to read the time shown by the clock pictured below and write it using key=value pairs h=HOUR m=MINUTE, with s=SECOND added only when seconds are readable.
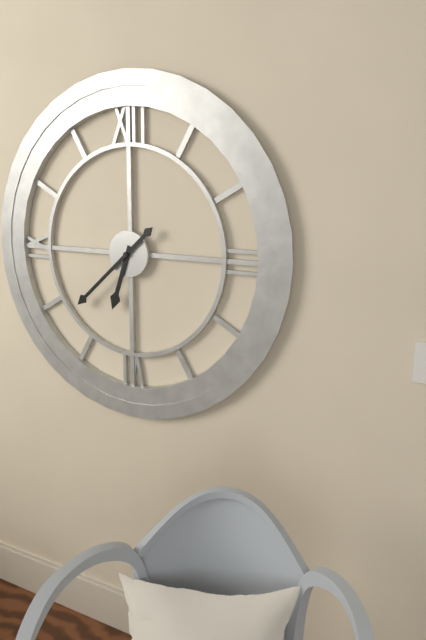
h=6 m=38
